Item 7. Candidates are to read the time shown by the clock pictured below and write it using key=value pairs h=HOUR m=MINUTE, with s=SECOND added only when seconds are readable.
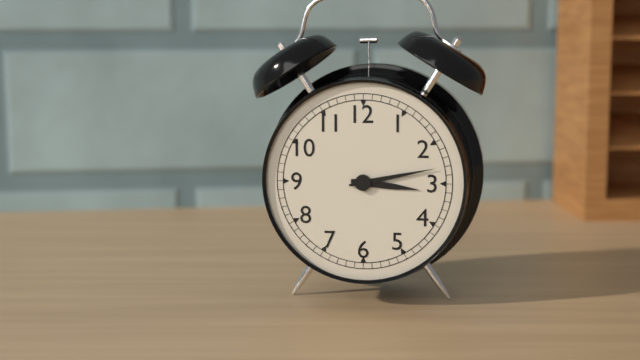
h=3 m=13
